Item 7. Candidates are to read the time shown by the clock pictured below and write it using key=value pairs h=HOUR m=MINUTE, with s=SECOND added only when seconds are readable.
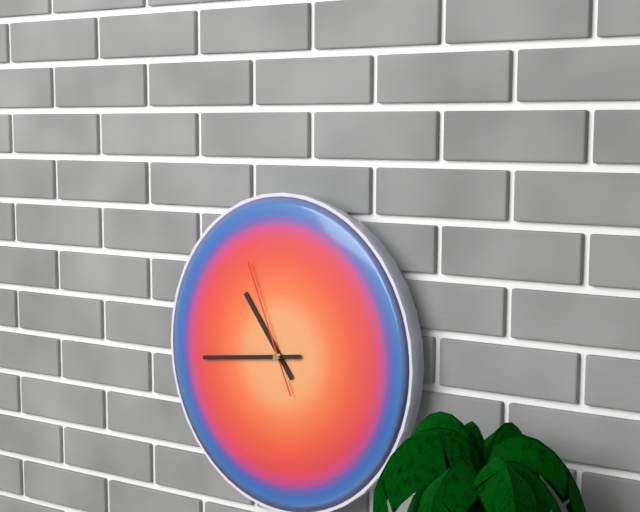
h=10 m=44 s=56
